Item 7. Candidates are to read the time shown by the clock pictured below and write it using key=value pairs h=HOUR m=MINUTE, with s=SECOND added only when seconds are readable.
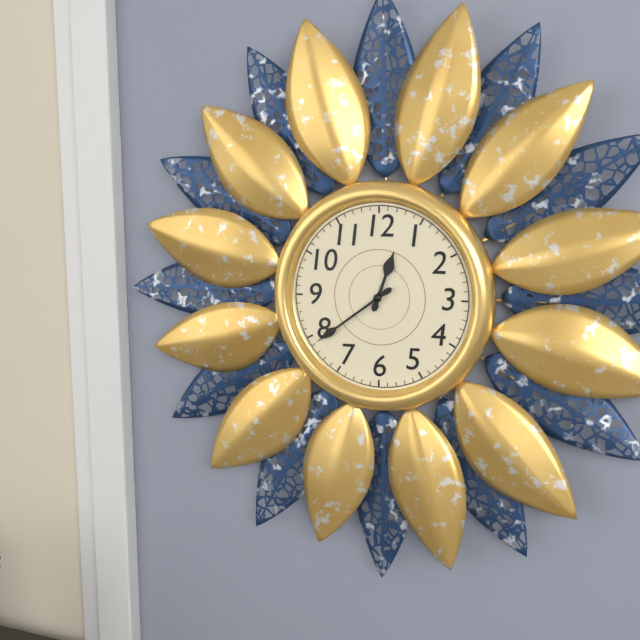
h=12 m=39
